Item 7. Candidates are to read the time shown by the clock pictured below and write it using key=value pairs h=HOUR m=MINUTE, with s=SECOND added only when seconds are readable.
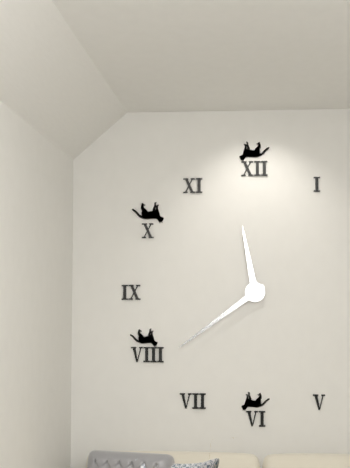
h=11 m=39
